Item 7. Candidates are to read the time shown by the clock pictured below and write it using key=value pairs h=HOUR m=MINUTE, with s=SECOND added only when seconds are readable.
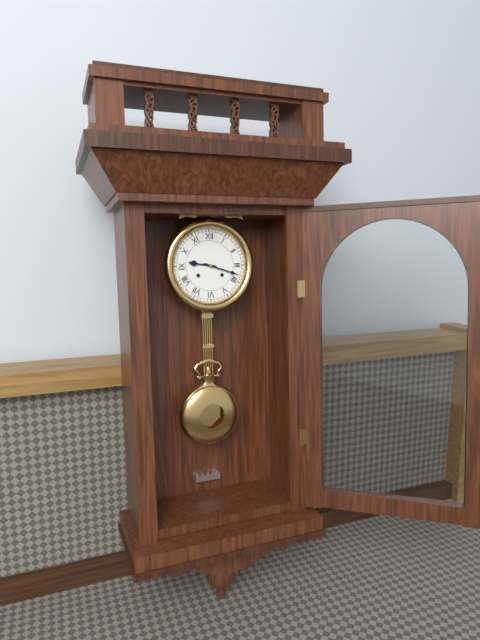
h=9 m=18
